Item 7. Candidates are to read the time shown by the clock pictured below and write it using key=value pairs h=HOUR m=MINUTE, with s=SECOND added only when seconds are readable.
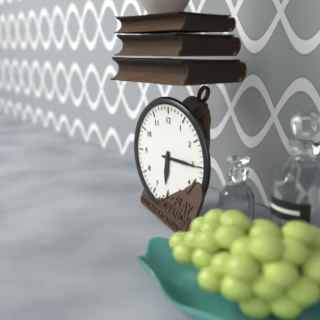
h=6 m=15
